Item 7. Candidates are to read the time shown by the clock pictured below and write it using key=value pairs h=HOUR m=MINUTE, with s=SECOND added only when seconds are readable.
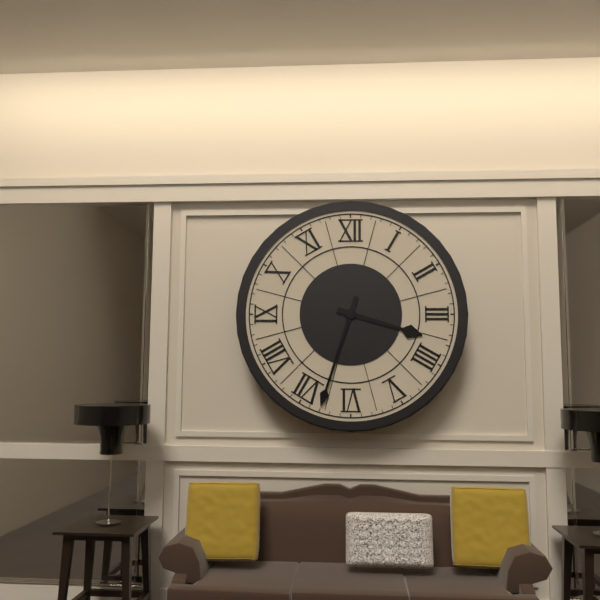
h=3 m=33
